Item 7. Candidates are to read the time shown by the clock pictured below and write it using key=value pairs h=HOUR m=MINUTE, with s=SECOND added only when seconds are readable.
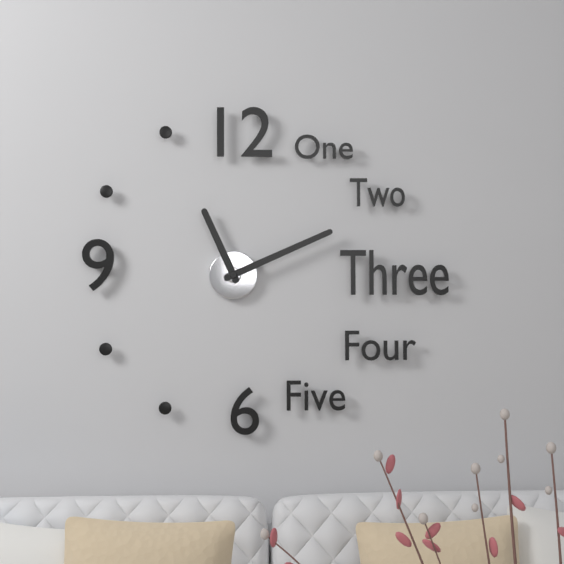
h=11 m=11
